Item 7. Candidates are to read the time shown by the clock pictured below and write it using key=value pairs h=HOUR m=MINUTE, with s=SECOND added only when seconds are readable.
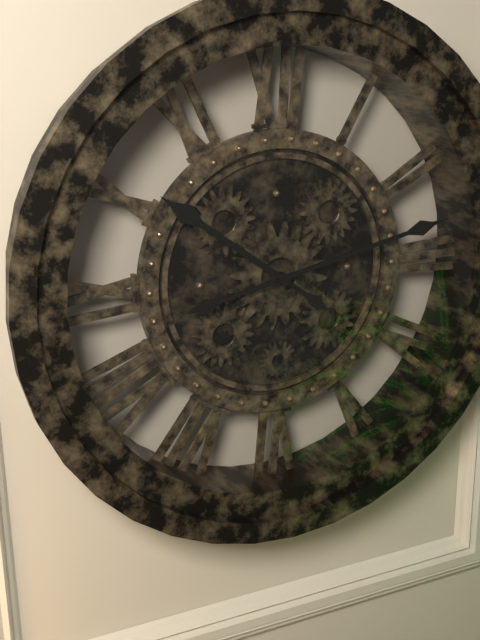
h=10 m=13
